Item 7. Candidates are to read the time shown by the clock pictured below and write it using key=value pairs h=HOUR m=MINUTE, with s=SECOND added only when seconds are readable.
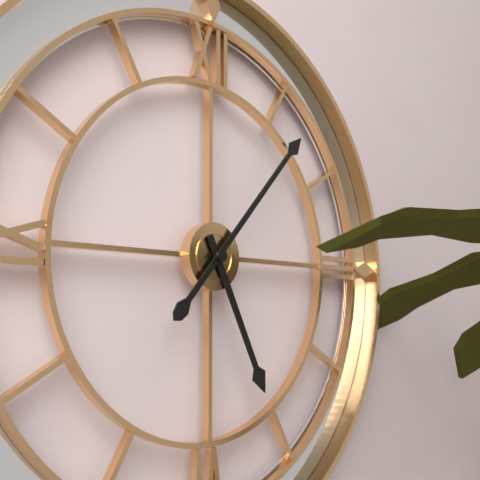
h=5 m=7
